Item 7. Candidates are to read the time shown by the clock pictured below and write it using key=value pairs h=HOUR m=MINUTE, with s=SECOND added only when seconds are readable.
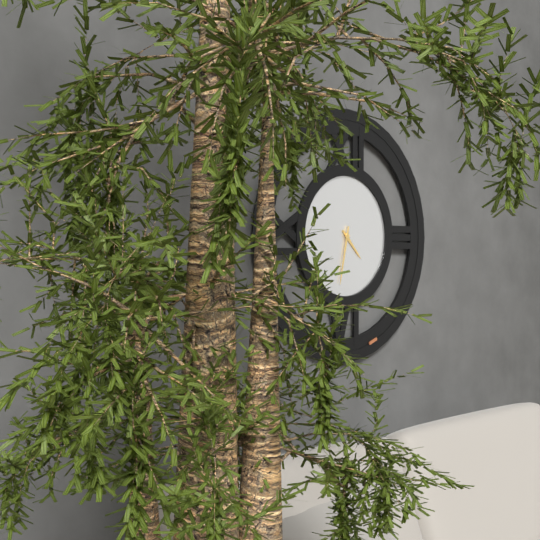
h=4 m=32
